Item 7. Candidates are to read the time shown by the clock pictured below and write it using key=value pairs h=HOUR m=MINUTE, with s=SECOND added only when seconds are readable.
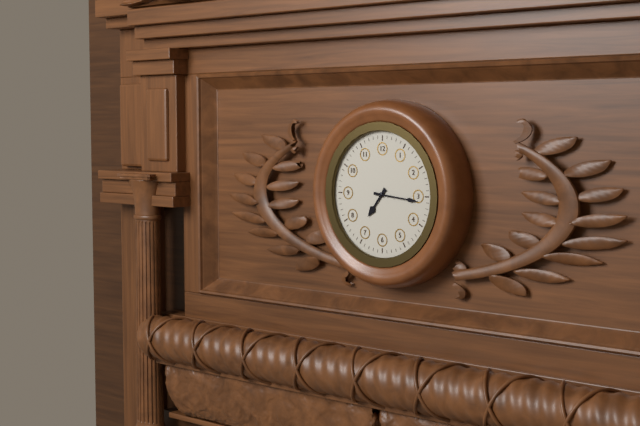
h=7 m=16
